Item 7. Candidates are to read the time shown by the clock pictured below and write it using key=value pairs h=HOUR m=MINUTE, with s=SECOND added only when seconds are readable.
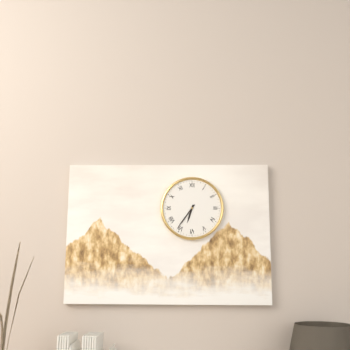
h=6 m=36
